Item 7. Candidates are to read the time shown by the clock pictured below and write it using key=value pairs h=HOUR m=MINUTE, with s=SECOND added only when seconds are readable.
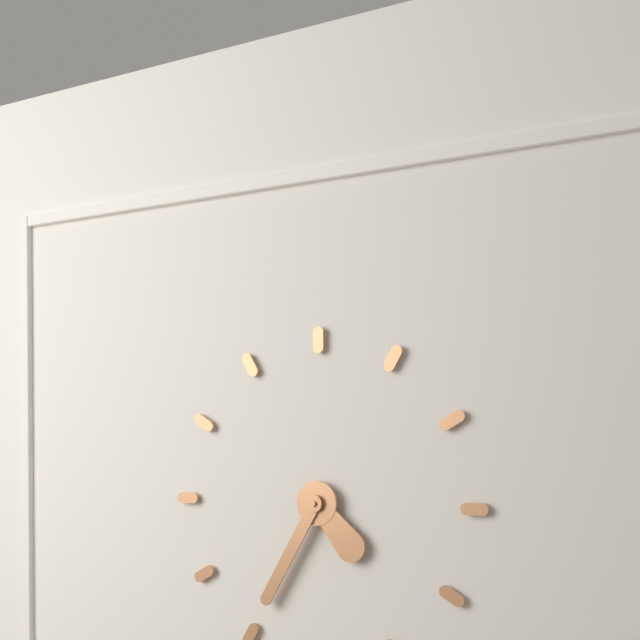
h=4 m=35
